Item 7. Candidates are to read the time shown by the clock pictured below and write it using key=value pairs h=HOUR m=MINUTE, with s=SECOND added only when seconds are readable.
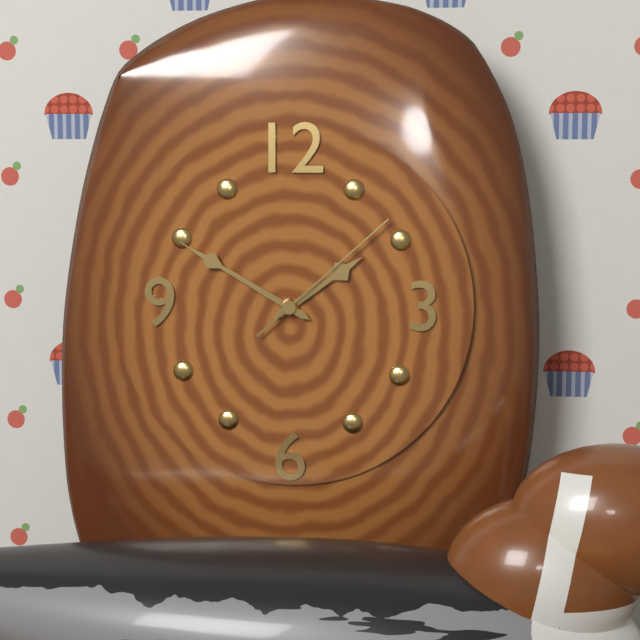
h=1 m=50 s=8
